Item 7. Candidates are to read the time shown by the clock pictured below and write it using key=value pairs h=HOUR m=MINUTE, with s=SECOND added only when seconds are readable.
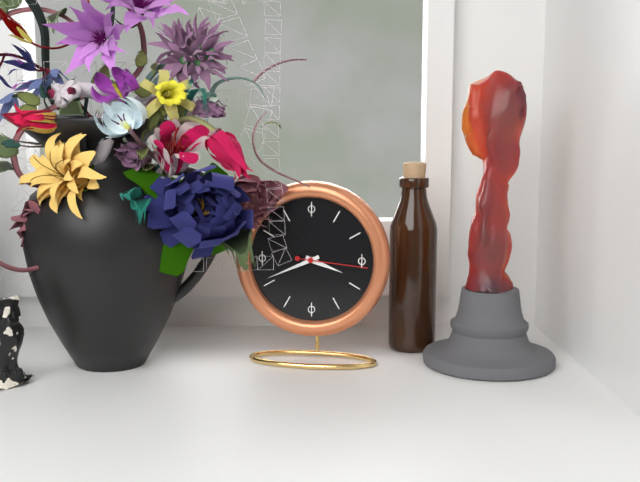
h=3 m=41 s=16
